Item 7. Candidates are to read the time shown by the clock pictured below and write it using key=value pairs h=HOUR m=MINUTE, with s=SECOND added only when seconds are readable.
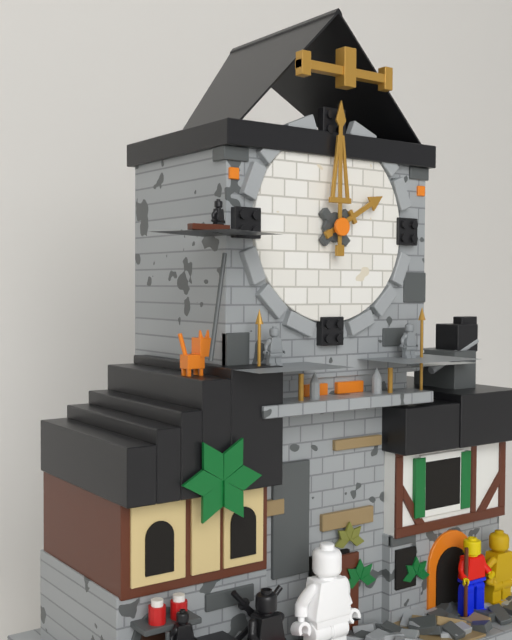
h=2 m=0
